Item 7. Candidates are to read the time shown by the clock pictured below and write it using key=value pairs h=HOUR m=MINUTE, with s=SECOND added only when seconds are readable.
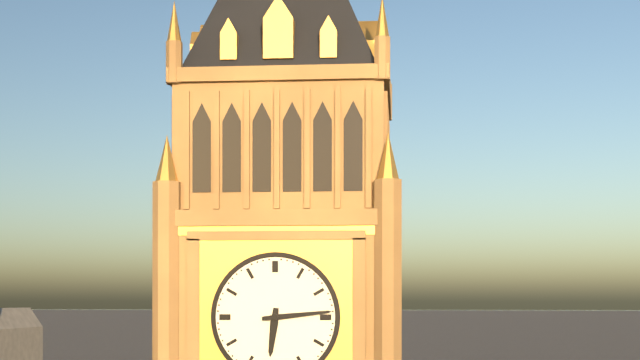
h=6 m=14
